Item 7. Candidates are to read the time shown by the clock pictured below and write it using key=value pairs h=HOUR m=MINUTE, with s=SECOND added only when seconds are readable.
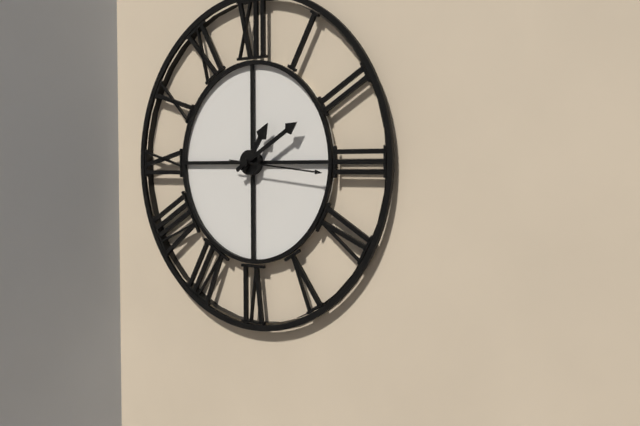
h=1 m=10 s=16
